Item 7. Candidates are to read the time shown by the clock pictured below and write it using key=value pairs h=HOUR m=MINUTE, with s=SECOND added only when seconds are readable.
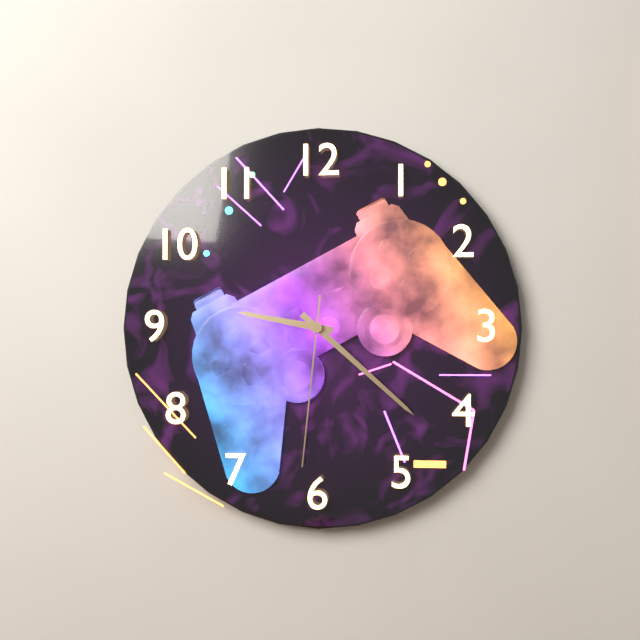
h=9 m=22 s=31
